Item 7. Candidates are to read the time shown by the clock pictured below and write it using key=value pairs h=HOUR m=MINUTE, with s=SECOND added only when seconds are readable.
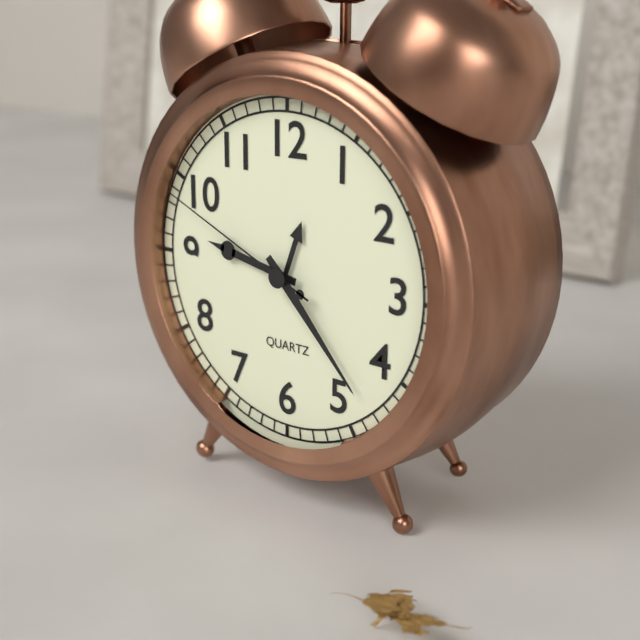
h=9 m=23 s=49
